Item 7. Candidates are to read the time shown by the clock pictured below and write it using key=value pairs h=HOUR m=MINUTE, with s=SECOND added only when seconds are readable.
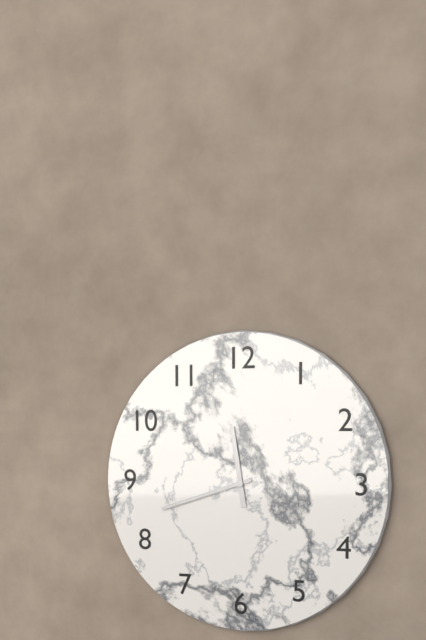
h=11 m=42
